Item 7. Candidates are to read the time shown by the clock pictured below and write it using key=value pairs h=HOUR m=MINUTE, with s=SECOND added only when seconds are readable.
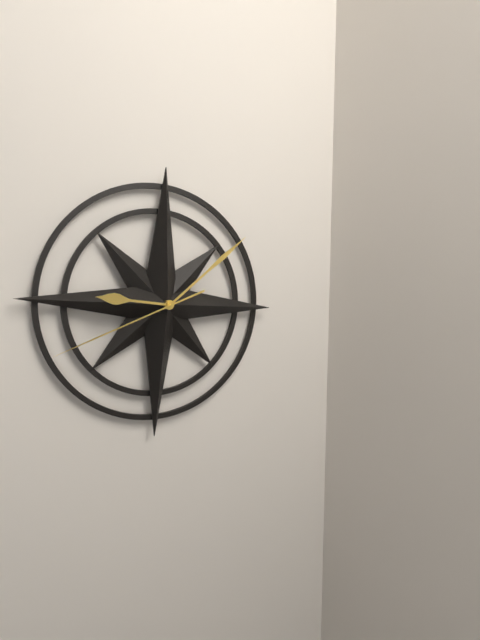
h=9 m=8 s=41
